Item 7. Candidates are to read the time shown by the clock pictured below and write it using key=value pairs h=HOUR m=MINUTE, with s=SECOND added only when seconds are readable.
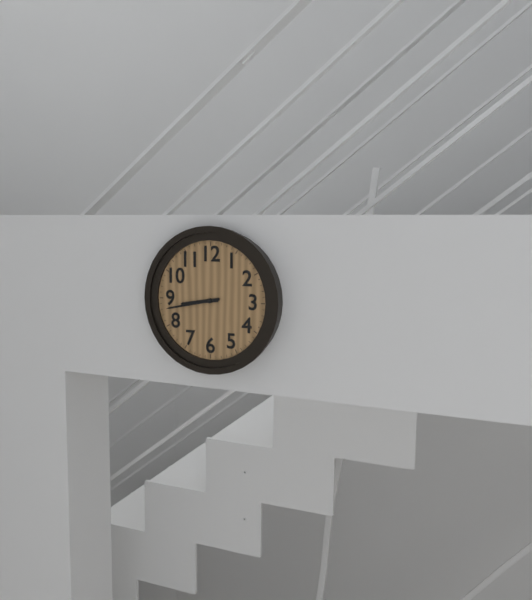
h=8 m=43
